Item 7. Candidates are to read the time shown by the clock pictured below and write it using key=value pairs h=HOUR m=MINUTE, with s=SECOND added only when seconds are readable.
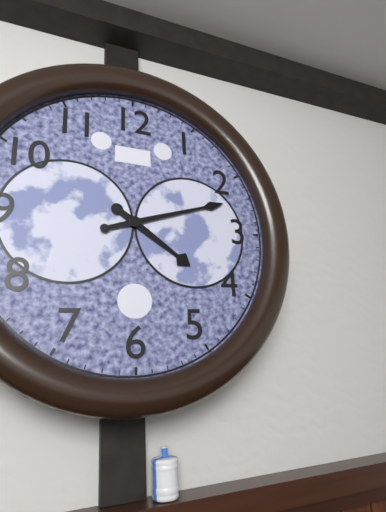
h=4 m=12
